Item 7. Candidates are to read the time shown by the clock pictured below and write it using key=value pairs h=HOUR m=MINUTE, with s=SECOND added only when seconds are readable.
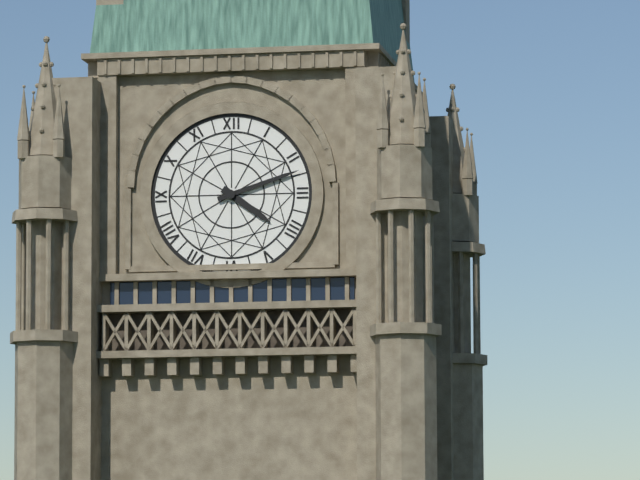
h=4 m=12
